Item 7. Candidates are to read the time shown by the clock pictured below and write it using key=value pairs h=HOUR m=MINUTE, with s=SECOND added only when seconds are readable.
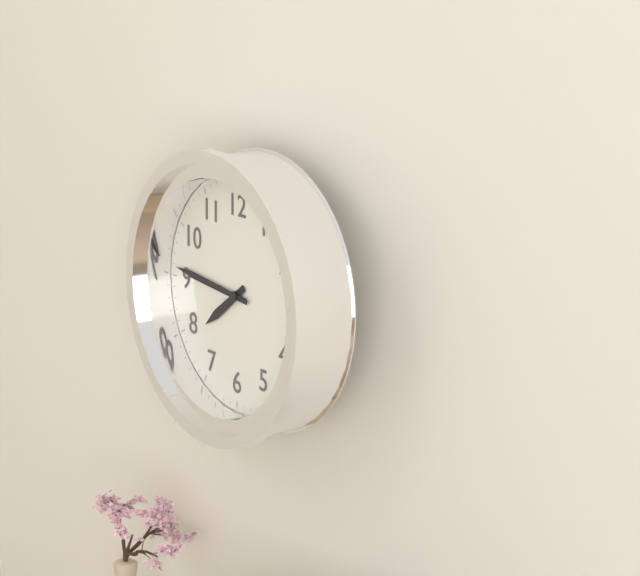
h=7 m=46
